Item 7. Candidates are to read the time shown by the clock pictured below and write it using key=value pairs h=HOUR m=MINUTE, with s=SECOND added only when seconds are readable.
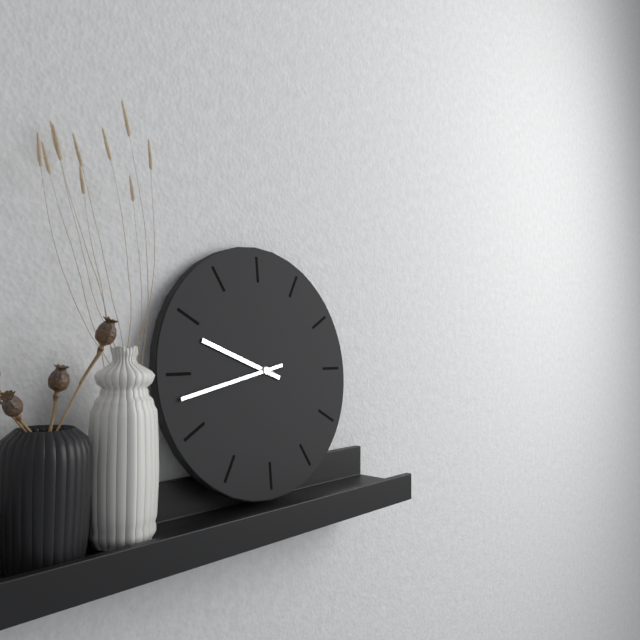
h=9 m=43
